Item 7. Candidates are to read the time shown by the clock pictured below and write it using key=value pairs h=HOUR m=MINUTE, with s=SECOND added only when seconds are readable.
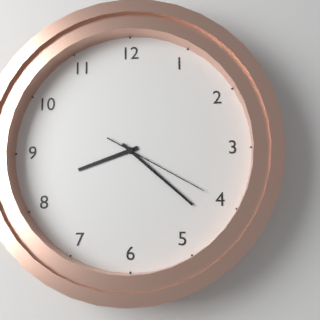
h=8 m=22 s=20
